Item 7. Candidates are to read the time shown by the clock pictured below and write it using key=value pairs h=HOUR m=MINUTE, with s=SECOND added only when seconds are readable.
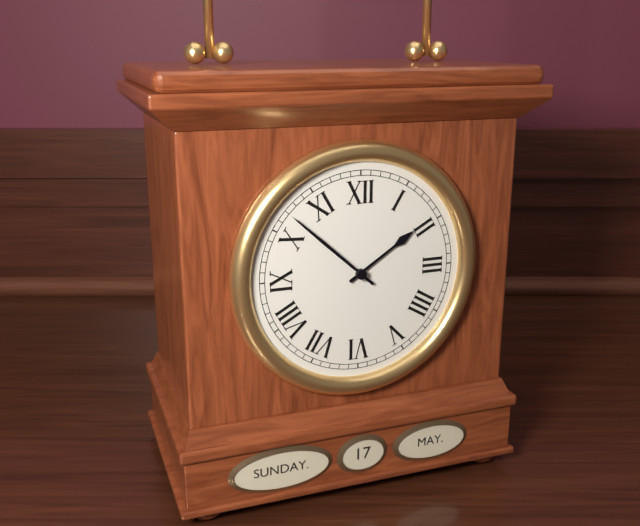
h=1 m=52
